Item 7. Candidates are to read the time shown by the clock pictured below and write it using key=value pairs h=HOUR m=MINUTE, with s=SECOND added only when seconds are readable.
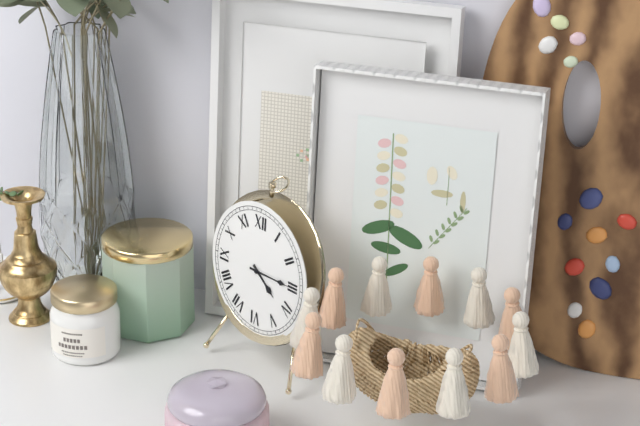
h=4 m=15
